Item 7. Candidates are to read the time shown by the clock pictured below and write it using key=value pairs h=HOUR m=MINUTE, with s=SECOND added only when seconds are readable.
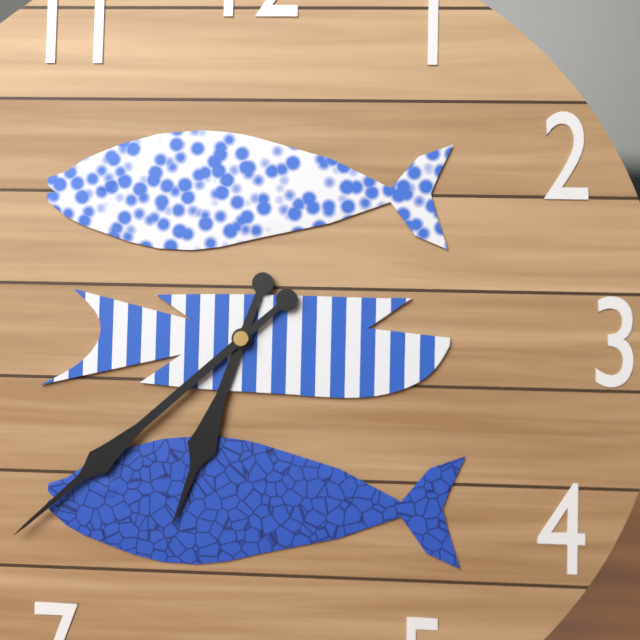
h=6 m=38
